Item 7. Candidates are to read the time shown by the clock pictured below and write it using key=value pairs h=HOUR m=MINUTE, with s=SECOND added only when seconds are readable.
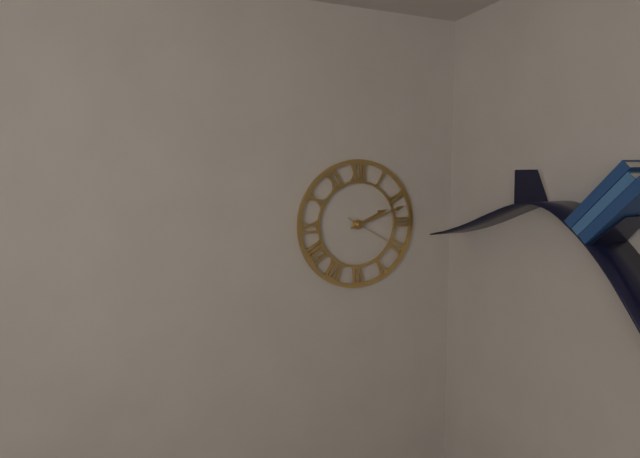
h=2 m=12 s=20
